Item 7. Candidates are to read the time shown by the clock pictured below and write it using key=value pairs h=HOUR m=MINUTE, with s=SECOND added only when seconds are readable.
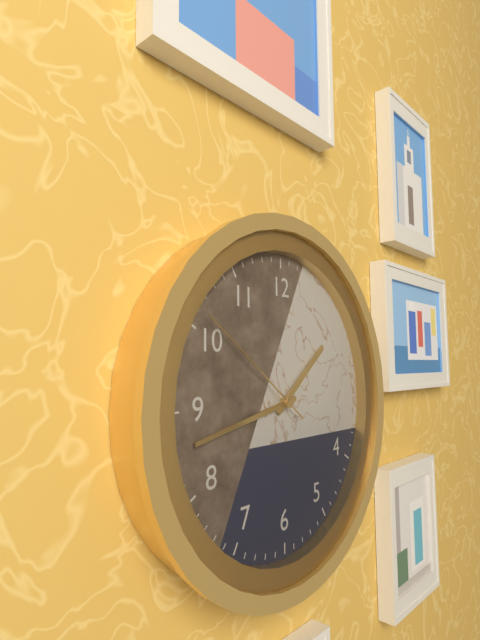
h=1 m=43 s=51
